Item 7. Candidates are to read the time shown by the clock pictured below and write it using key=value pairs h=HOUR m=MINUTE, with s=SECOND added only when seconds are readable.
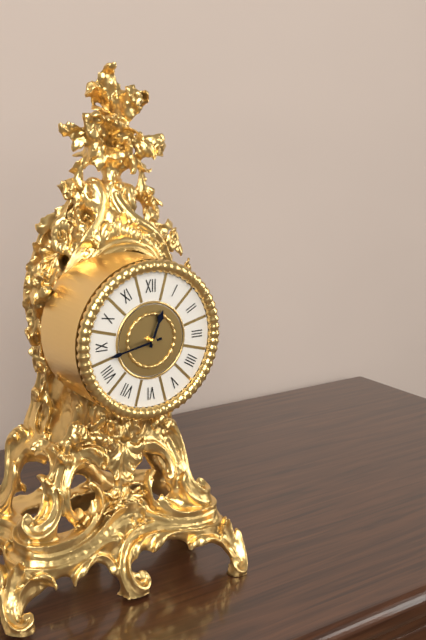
h=12 m=43
